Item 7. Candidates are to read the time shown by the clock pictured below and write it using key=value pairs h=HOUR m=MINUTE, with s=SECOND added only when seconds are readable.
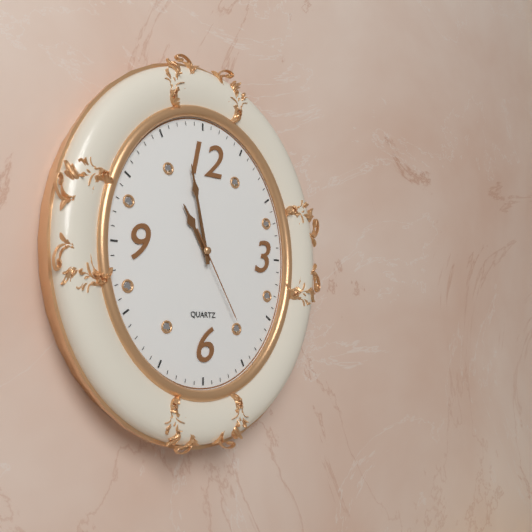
h=10 m=58 s=25
